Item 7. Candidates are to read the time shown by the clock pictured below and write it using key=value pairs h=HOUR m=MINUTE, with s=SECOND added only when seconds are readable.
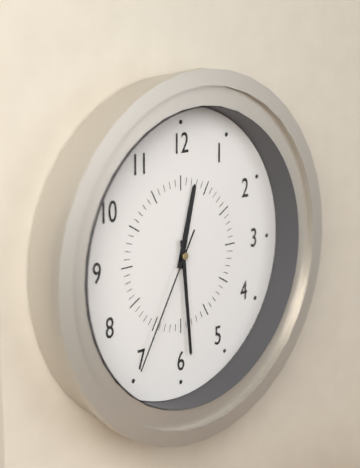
h=12 m=29 s=35
